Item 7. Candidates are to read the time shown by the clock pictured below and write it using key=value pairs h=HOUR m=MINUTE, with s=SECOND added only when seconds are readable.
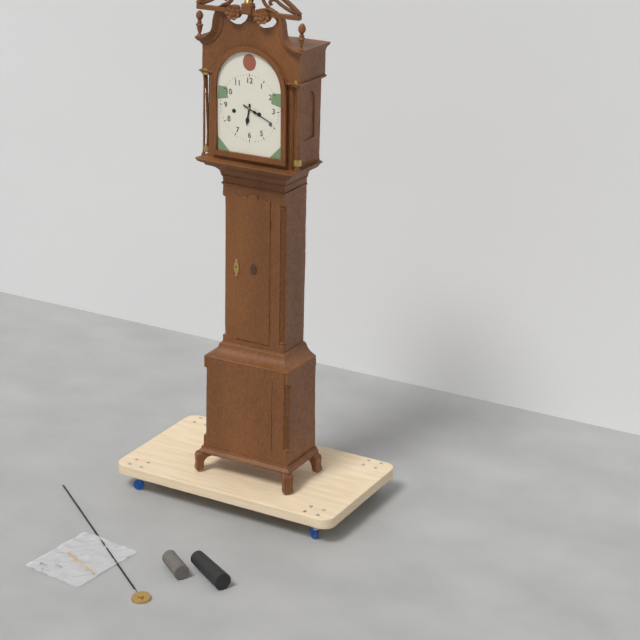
h=6 m=19
